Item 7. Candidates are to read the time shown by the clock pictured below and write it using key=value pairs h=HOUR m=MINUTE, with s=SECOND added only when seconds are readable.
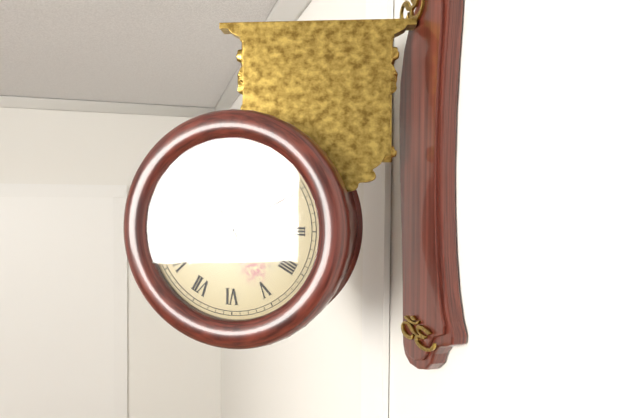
h=11 m=10 s=55
